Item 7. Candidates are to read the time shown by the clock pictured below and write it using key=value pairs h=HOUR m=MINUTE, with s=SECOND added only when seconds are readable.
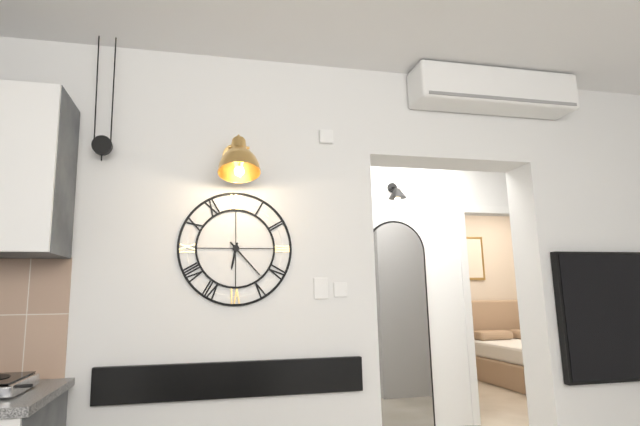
h=6 m=23
